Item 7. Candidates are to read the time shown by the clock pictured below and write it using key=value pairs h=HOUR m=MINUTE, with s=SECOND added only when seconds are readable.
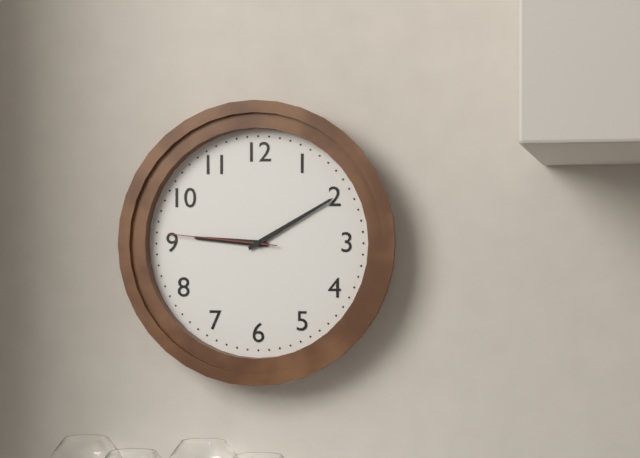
h=9 m=10 s=46
